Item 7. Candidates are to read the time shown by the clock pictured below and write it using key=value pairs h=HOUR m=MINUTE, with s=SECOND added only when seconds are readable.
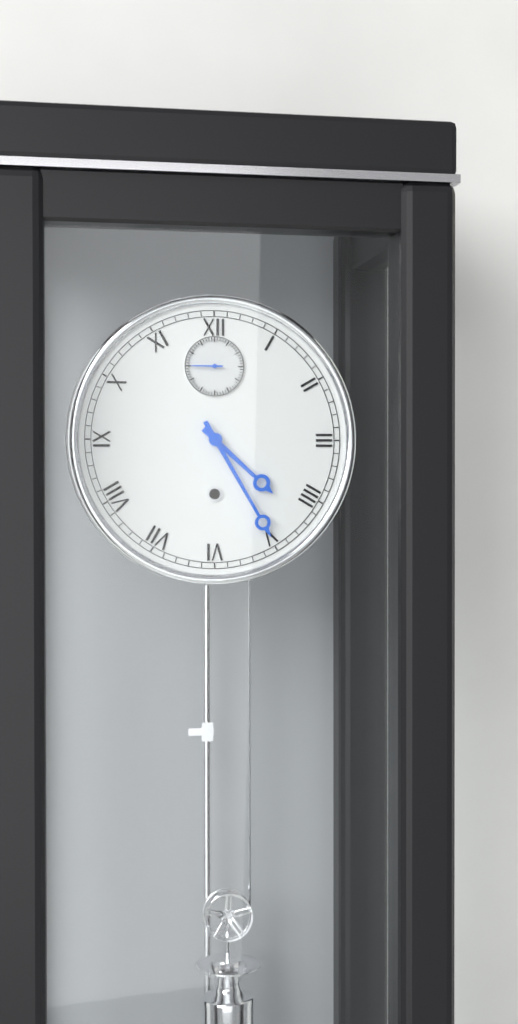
h=4 m=25
